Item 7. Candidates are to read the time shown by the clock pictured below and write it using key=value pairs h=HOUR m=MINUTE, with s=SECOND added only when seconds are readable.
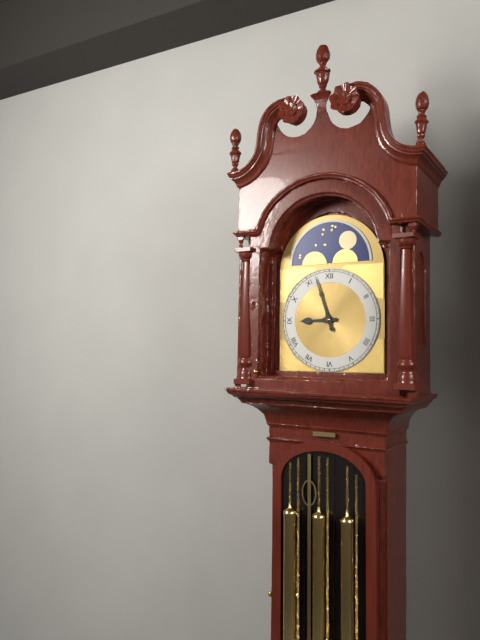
h=8 m=57
